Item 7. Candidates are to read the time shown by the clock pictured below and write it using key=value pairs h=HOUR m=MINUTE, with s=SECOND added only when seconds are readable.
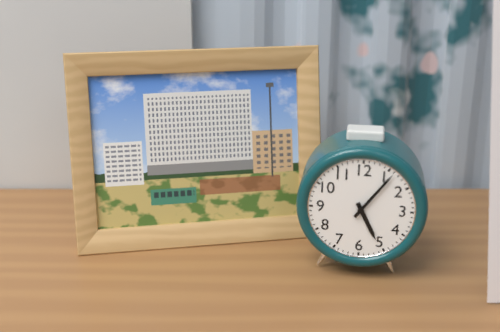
h=5 m=6
